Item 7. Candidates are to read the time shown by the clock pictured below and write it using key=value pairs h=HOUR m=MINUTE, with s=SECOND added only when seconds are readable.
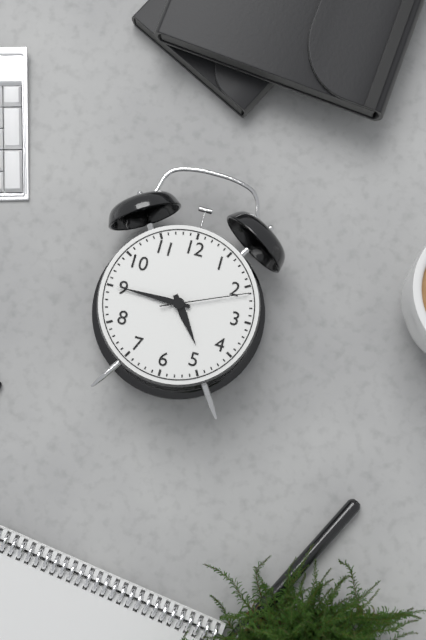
h=4 m=45 s=11
